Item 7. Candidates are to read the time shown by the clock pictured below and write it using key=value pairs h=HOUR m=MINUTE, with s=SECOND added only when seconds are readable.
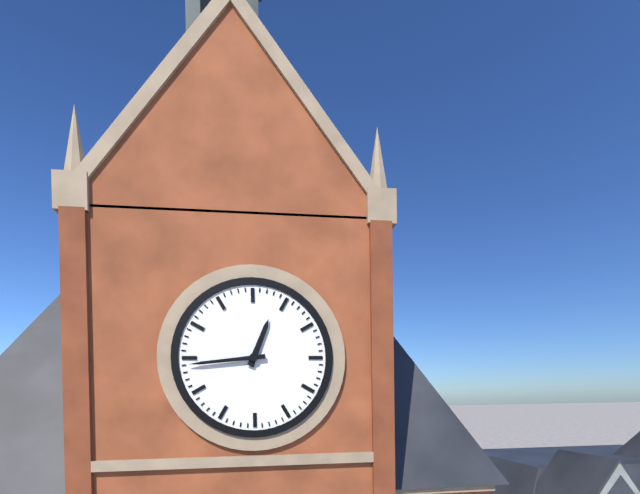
h=12 m=44
